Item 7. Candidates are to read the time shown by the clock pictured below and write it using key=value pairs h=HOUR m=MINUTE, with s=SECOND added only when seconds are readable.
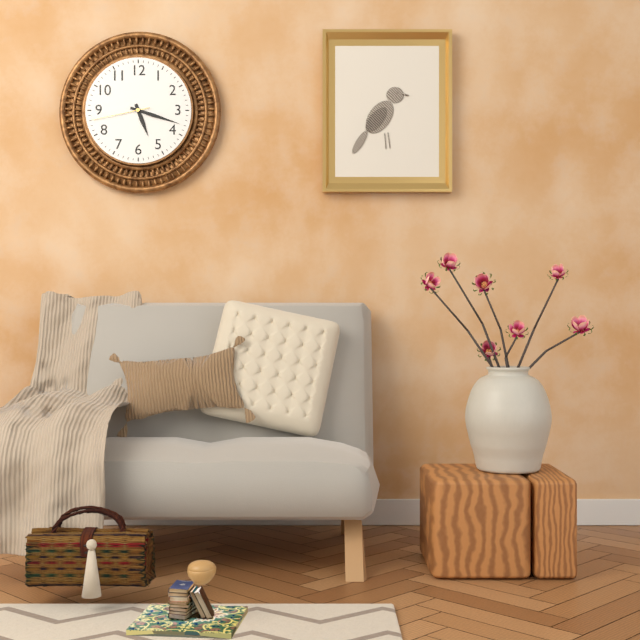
h=5 m=18 s=43
